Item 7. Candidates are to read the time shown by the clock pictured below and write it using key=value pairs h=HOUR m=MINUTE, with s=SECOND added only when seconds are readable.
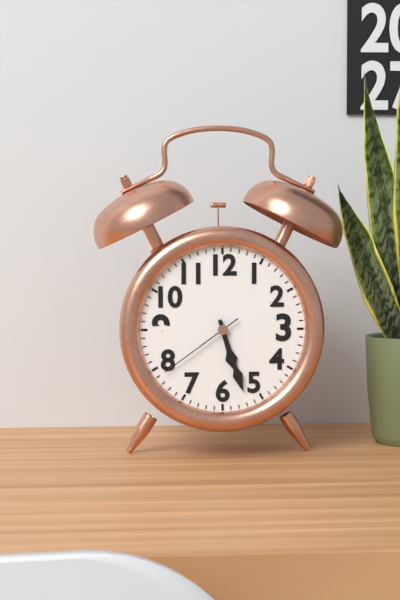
h=5 m=27 s=39
